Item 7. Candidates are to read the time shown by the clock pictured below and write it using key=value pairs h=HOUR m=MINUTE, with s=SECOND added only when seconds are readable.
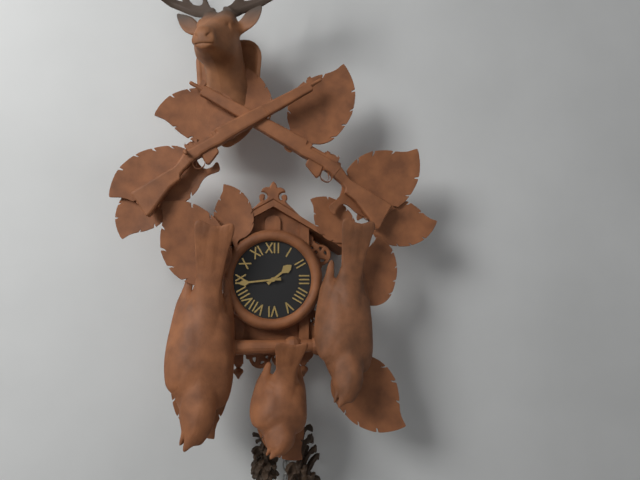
h=1 m=44
